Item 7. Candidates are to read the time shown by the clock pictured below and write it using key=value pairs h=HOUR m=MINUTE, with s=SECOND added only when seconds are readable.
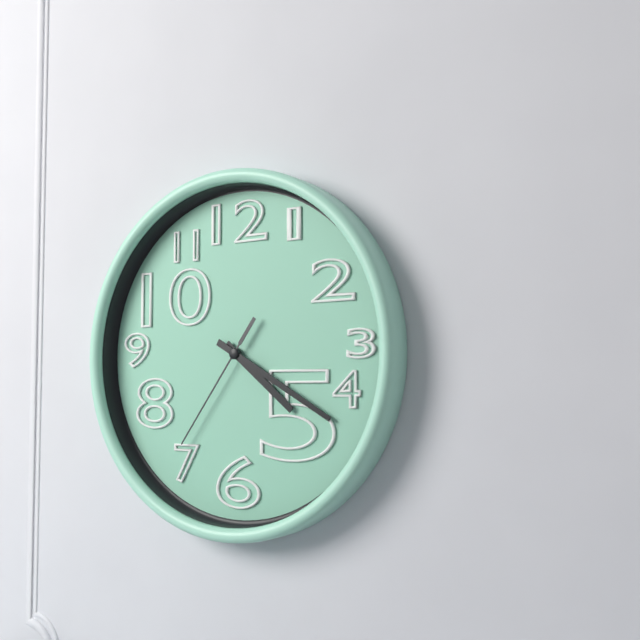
h=4 m=20 s=36
